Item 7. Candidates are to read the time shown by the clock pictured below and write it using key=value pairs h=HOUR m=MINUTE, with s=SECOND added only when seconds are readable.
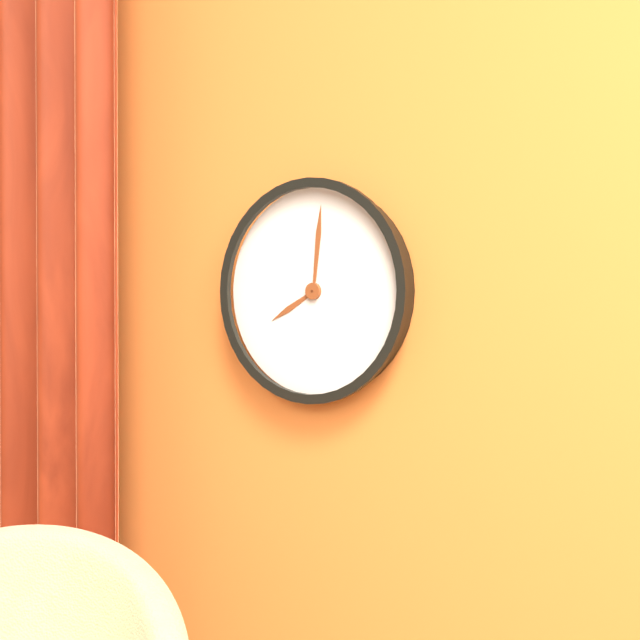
h=8 m=1
